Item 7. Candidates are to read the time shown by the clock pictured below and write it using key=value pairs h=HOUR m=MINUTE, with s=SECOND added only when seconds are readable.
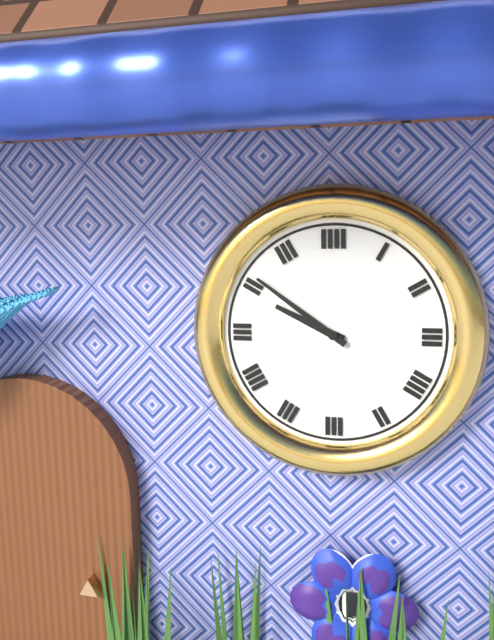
h=9 m=51
